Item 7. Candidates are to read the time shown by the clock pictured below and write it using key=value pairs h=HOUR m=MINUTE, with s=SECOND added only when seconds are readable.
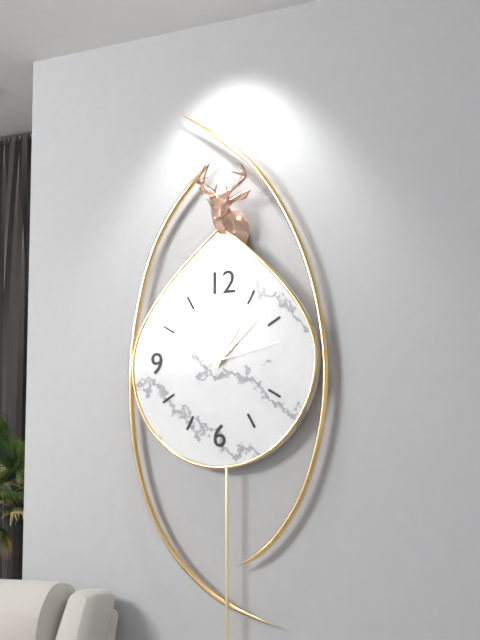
h=1 m=8 s=13
